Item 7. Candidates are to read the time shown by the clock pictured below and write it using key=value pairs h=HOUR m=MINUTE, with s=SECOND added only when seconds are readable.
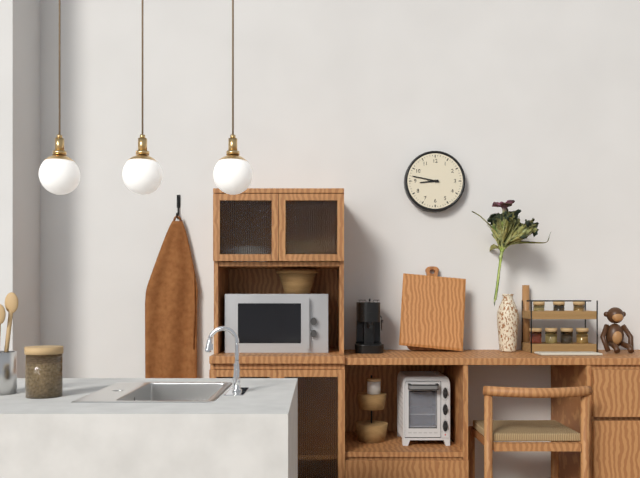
h=8 m=47
